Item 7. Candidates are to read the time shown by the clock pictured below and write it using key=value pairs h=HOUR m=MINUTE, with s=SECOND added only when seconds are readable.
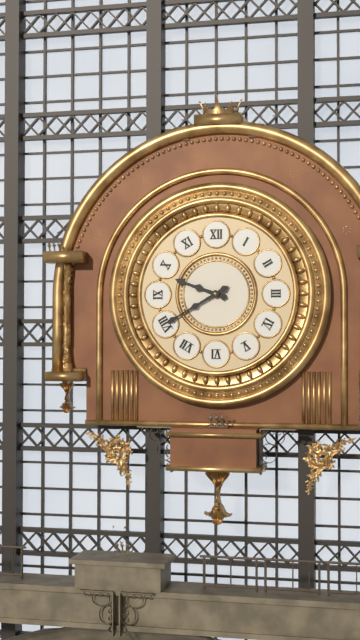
h=9 m=40
